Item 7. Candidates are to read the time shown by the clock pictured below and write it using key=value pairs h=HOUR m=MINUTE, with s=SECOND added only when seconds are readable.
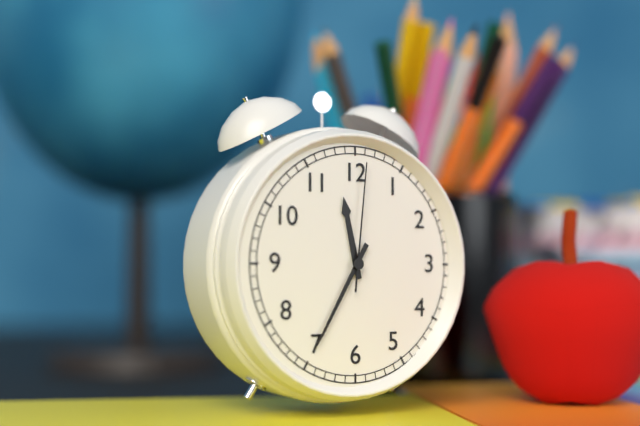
h=11 m=35 s=1
